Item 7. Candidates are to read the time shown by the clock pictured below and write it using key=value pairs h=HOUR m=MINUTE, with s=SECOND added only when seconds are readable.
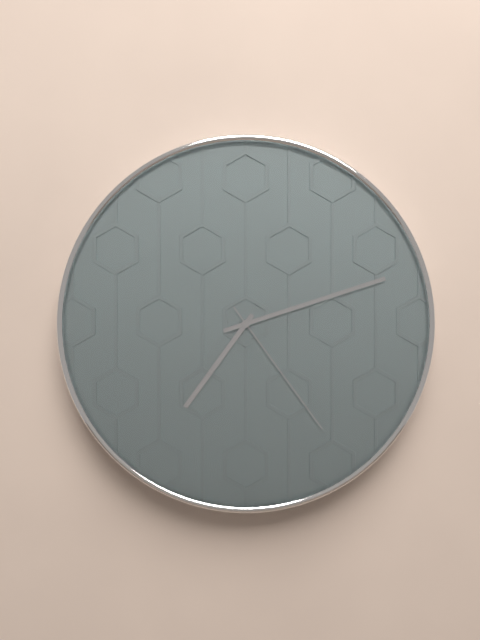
h=7 m=12 s=24
